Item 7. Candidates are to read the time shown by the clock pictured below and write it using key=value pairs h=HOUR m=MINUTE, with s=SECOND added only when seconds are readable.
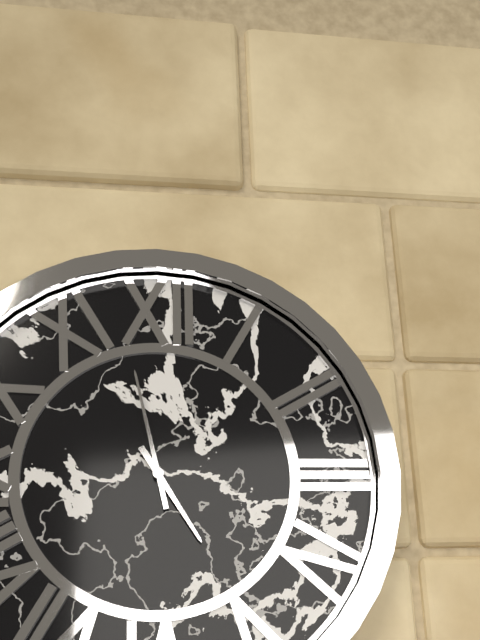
h=4 m=58
